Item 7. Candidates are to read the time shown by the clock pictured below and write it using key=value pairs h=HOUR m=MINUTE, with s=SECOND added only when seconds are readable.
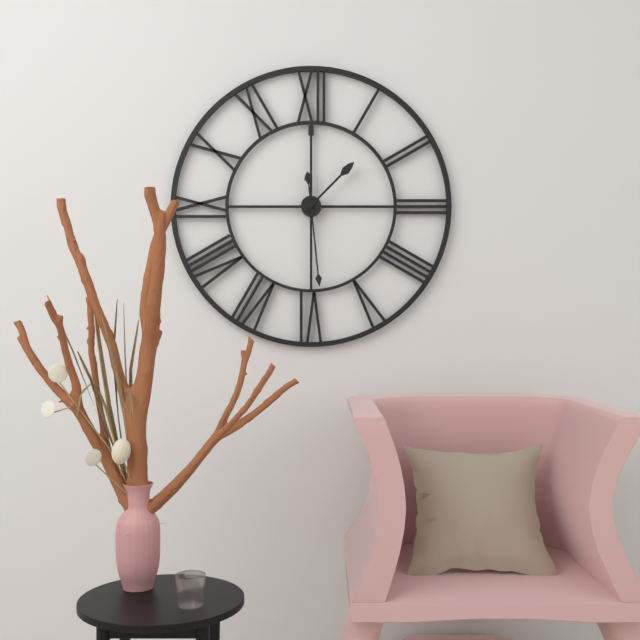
h=1 m=29
